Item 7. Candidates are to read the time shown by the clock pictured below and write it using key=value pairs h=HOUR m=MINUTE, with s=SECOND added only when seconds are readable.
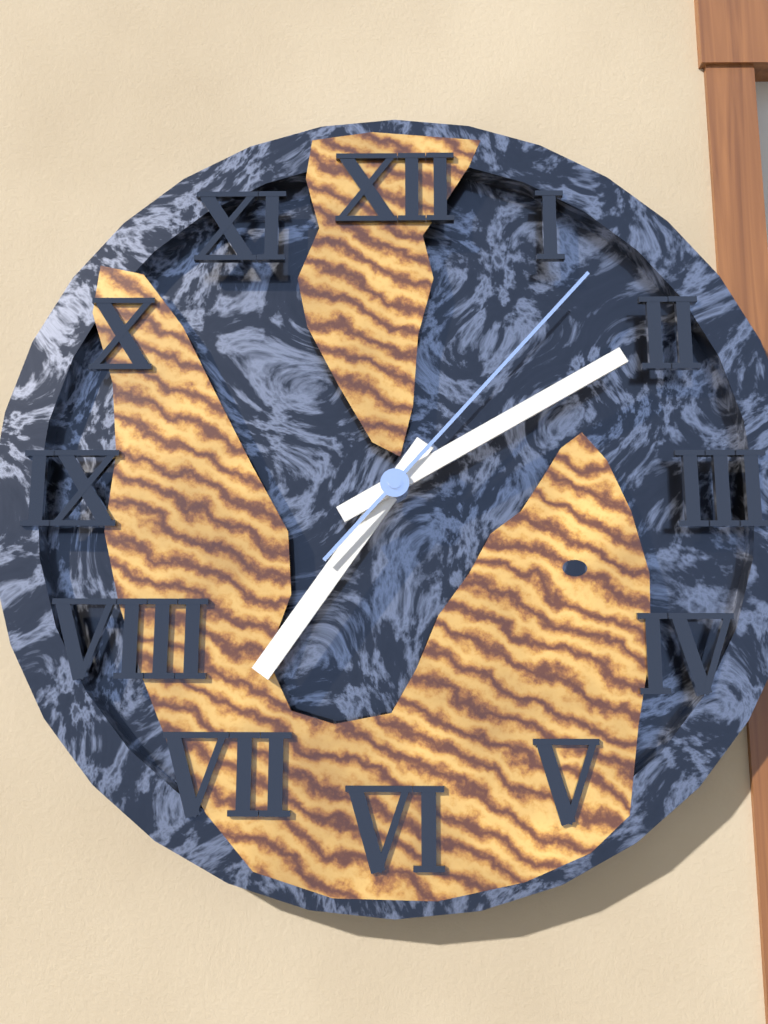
h=7 m=10 s=7
